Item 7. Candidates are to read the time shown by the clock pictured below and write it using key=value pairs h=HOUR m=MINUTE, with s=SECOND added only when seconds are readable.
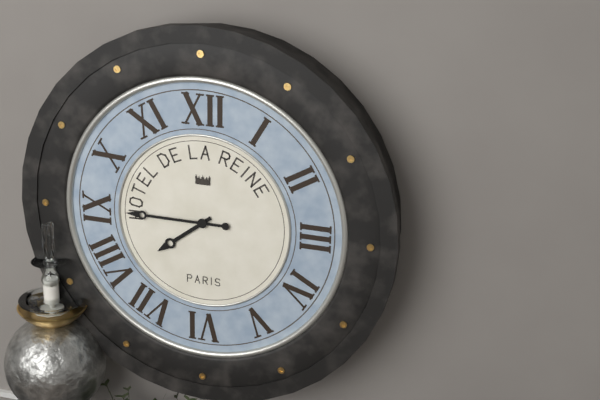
h=7 m=45
